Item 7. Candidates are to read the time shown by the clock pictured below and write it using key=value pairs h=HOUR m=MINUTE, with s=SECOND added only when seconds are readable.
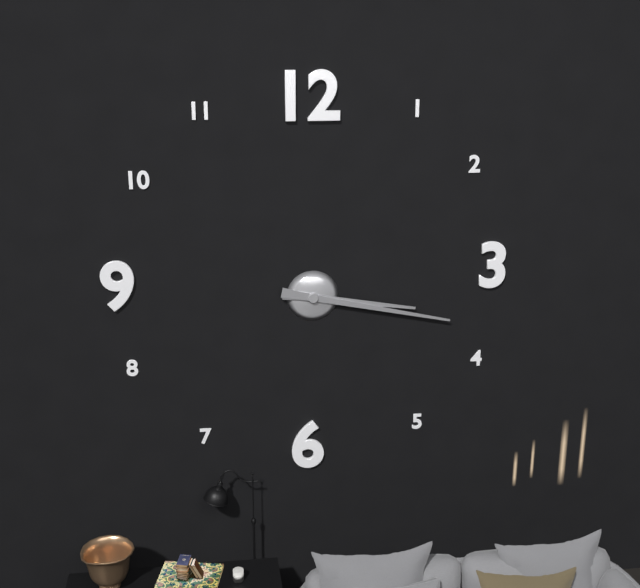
h=3 m=17
